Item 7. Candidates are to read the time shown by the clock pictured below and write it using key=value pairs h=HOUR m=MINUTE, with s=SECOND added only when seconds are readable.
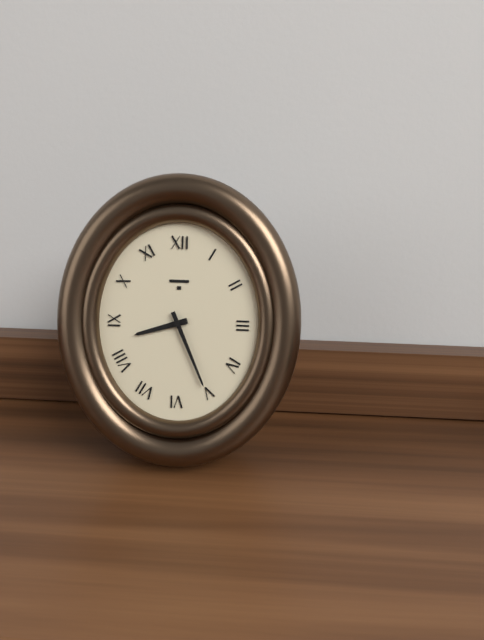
h=8 m=26
